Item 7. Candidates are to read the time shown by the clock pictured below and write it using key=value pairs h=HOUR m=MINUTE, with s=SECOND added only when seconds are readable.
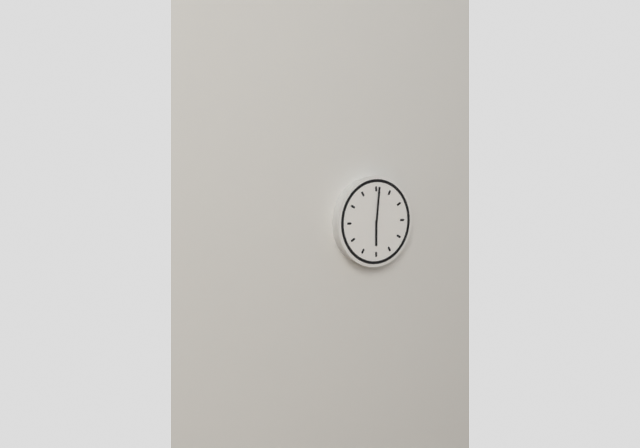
h=6 m=1
